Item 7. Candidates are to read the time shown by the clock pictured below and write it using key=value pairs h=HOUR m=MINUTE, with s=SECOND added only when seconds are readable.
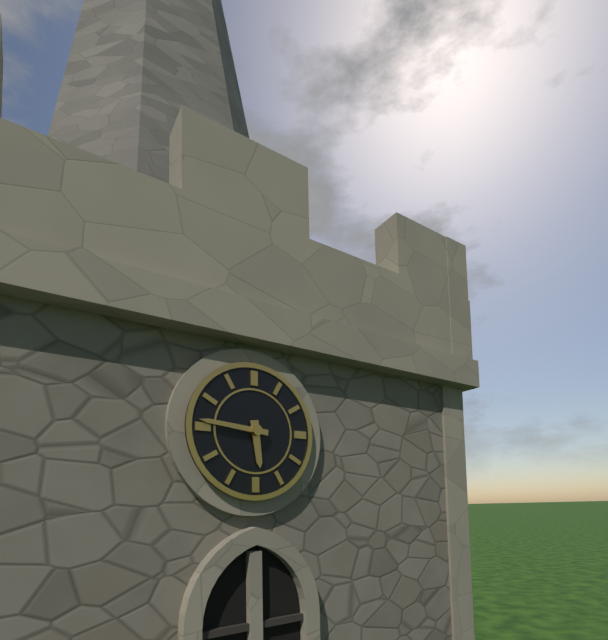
h=5 m=46
